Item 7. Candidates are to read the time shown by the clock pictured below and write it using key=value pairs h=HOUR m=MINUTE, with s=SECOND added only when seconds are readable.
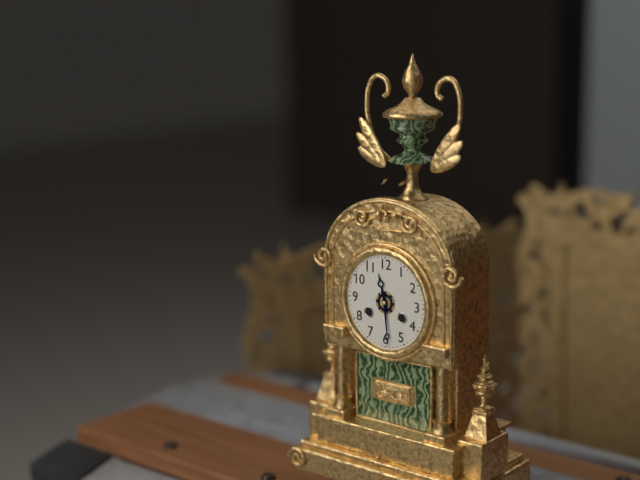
h=11 m=29
